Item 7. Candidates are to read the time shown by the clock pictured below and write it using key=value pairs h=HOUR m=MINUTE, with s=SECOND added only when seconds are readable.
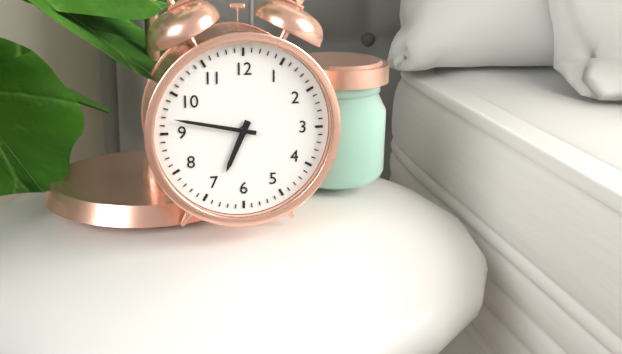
h=6 m=47
